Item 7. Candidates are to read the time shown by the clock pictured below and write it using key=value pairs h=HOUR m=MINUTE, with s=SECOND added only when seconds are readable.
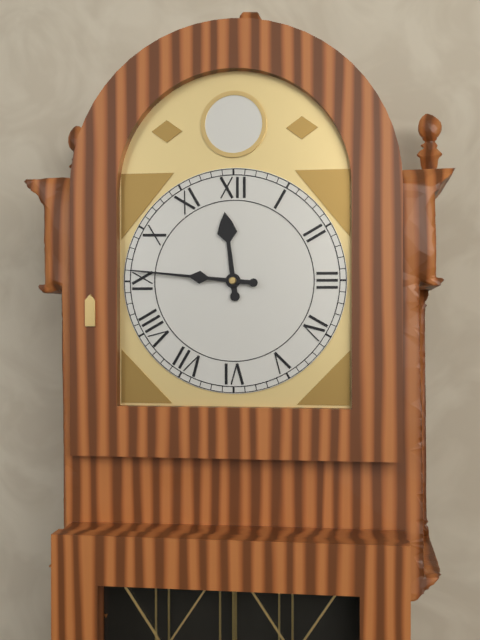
h=11 m=46
